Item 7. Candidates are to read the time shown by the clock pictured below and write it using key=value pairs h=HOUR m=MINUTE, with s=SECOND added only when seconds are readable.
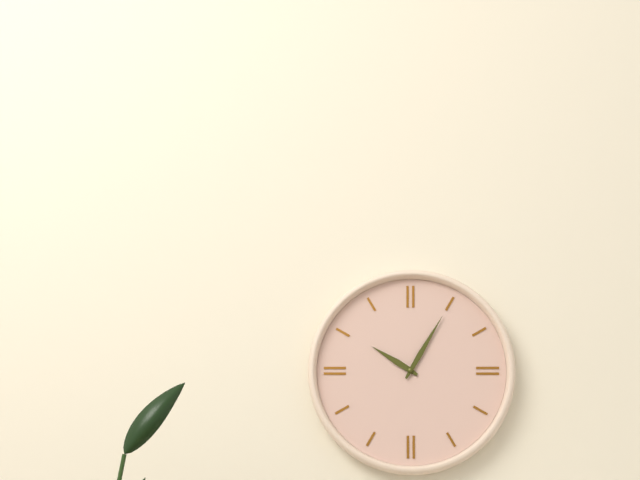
h=10 m=5
